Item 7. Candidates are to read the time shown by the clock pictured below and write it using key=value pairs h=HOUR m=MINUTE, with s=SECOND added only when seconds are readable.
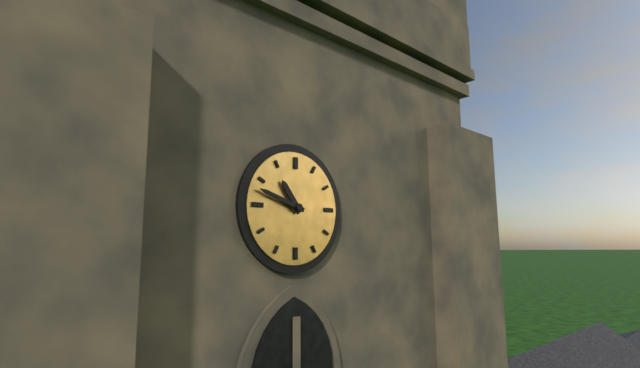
h=10 m=48
